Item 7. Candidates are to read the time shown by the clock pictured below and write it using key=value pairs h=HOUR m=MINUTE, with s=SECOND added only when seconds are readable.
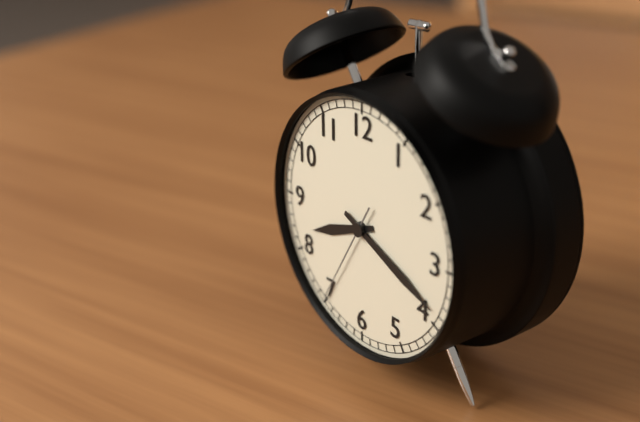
h=8 m=19 s=35
